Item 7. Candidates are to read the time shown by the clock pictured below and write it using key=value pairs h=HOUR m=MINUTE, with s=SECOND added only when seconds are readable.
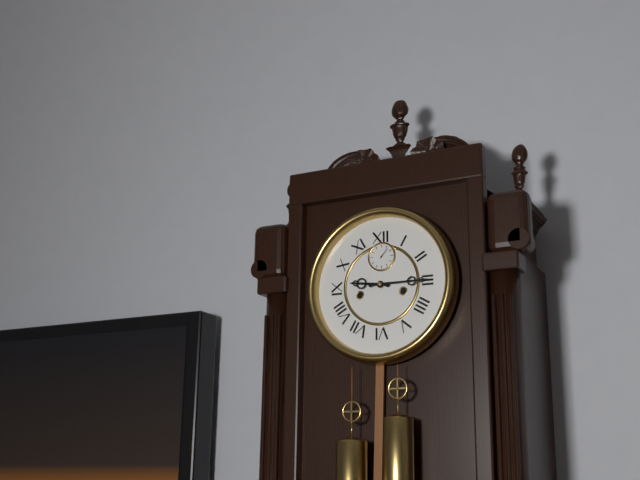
h=9 m=15
